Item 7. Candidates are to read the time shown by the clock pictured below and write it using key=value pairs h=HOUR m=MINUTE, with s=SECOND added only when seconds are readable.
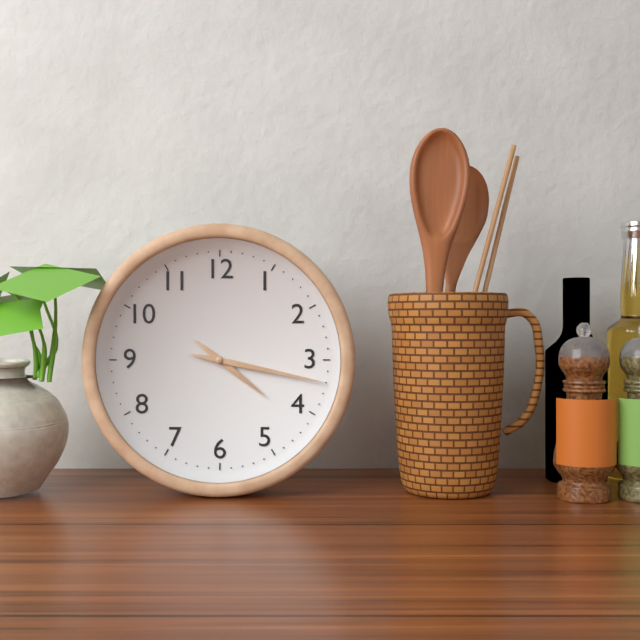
h=4 m=17
